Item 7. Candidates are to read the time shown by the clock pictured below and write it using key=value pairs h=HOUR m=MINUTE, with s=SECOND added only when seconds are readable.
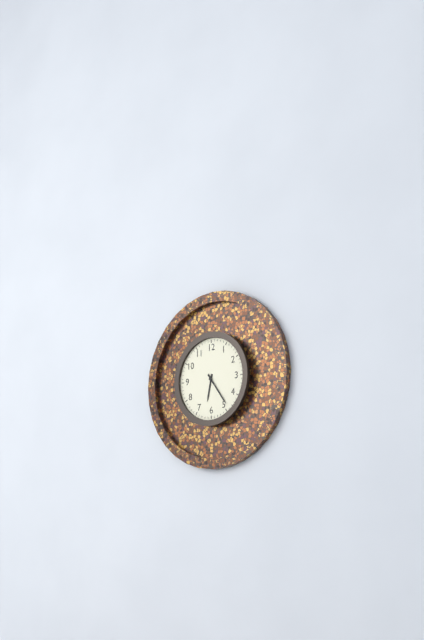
h=6 m=24
